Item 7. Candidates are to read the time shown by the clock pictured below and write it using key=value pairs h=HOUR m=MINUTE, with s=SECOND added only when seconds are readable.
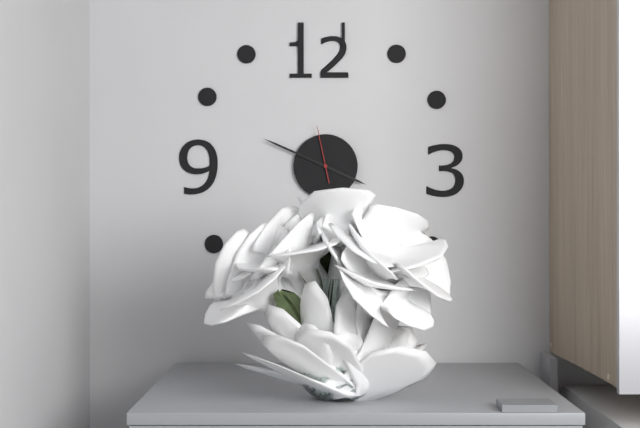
h=3 m=49 s=58
